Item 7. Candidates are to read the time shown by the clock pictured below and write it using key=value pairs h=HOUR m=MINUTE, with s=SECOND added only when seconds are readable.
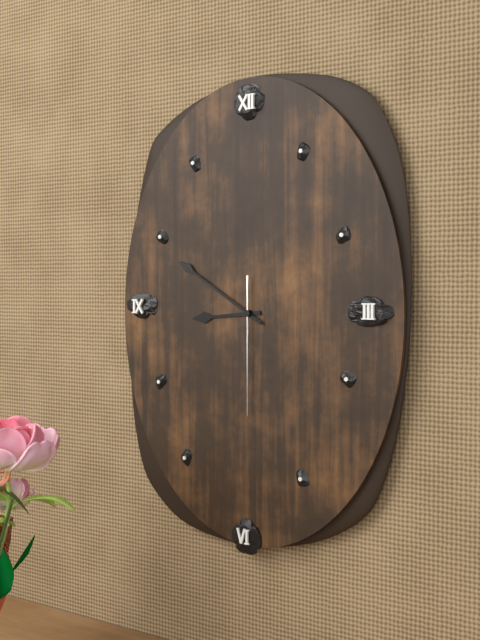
h=8 m=50 s=30
